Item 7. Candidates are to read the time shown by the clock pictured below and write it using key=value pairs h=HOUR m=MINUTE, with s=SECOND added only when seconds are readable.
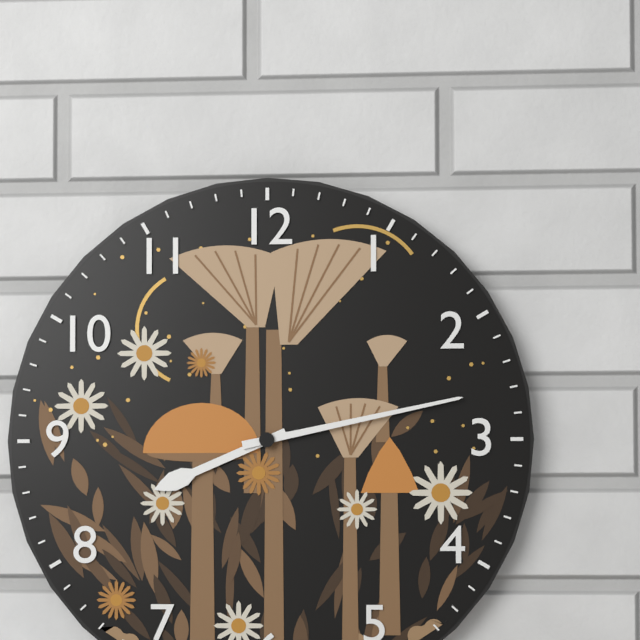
h=8 m=13
